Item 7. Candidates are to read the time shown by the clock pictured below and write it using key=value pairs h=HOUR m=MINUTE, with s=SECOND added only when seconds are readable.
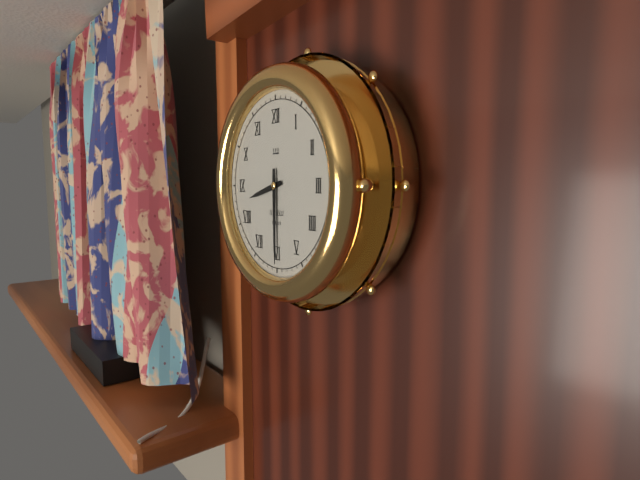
h=8 m=30
